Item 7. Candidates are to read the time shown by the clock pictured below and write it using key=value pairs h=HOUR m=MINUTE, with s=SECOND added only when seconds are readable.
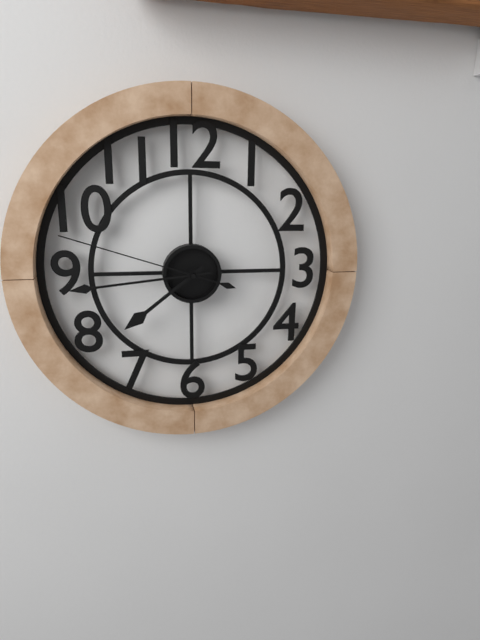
h=7 m=44 s=48
